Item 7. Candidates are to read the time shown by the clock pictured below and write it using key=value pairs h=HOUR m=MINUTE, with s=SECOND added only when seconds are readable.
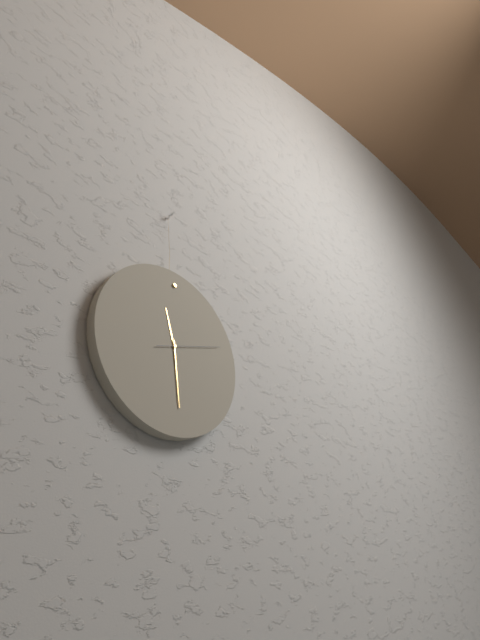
h=11 m=29 s=12
